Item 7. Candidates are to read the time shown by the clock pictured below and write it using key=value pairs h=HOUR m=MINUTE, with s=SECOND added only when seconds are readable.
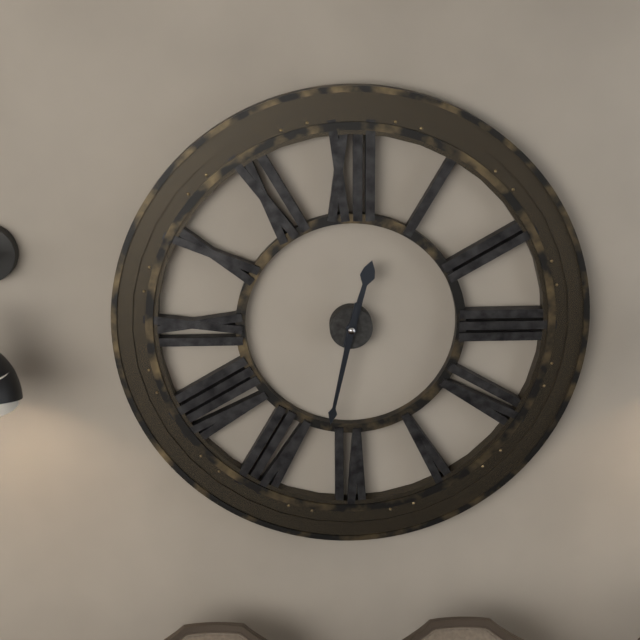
h=12 m=32
